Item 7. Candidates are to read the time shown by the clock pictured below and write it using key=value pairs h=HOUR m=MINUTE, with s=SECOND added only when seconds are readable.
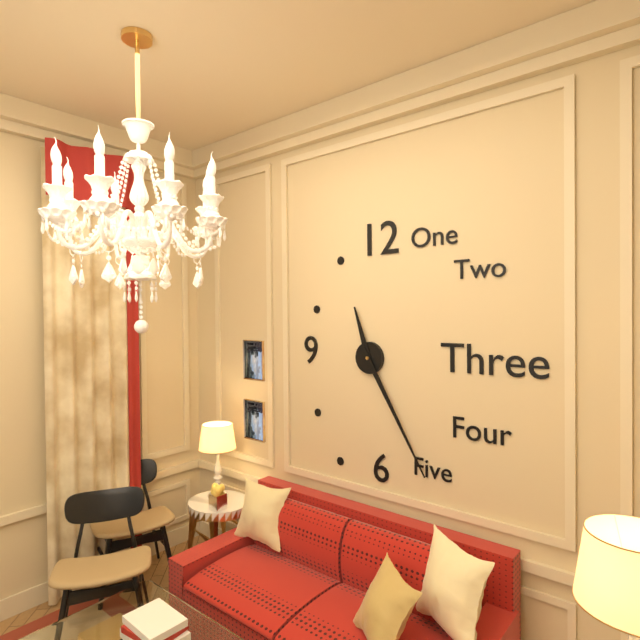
h=11 m=25
